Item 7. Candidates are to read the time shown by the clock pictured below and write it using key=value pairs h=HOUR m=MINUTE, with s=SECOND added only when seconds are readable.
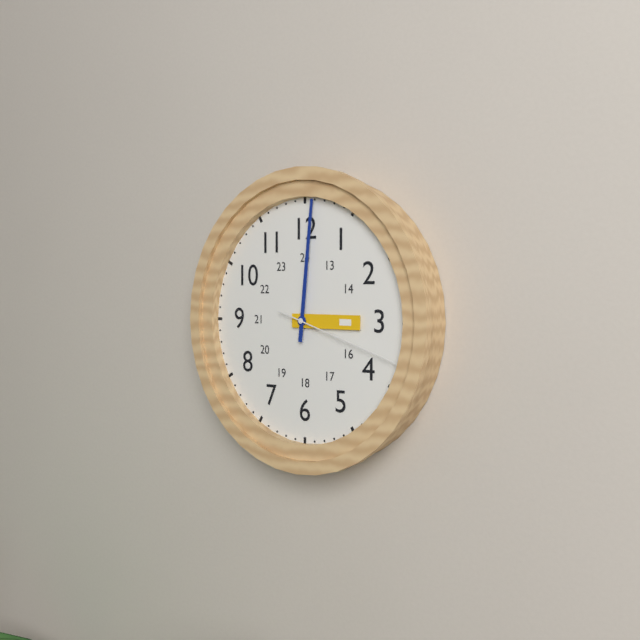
h=3 m=1 s=18
